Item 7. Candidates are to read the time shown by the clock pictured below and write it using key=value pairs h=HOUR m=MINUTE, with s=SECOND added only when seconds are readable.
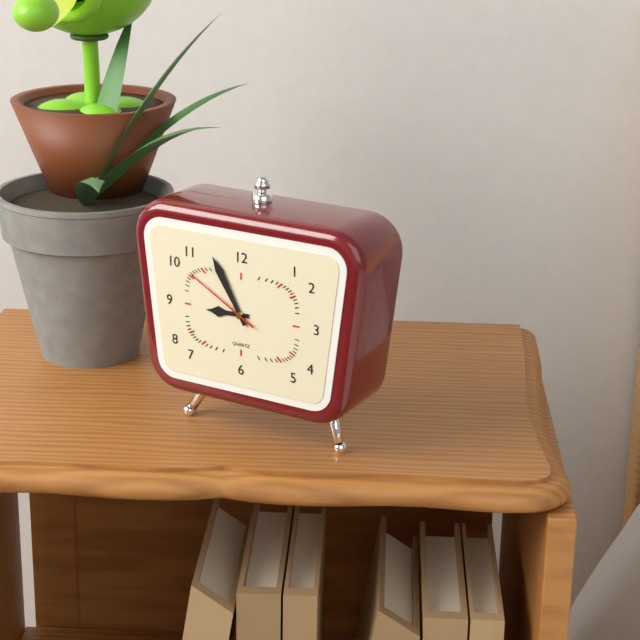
h=8 m=55 s=50
